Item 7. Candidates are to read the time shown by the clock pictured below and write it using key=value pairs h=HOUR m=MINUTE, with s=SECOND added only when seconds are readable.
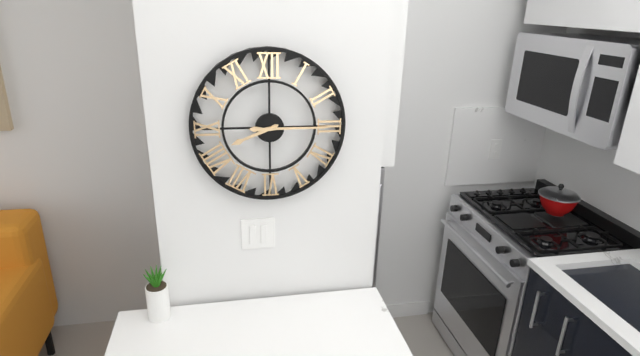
h=8 m=15
